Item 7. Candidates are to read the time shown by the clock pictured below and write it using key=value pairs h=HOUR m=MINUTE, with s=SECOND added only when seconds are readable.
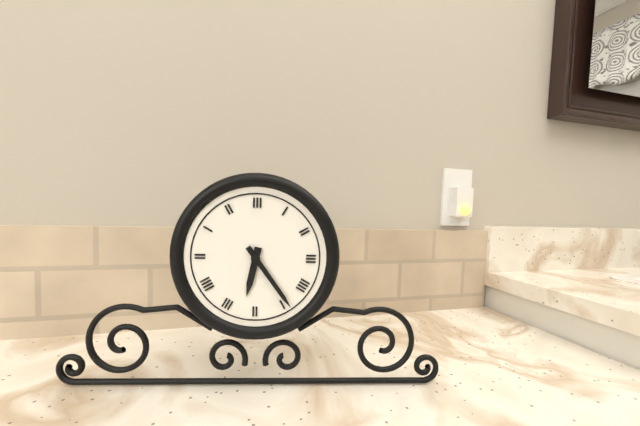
h=6 m=24
